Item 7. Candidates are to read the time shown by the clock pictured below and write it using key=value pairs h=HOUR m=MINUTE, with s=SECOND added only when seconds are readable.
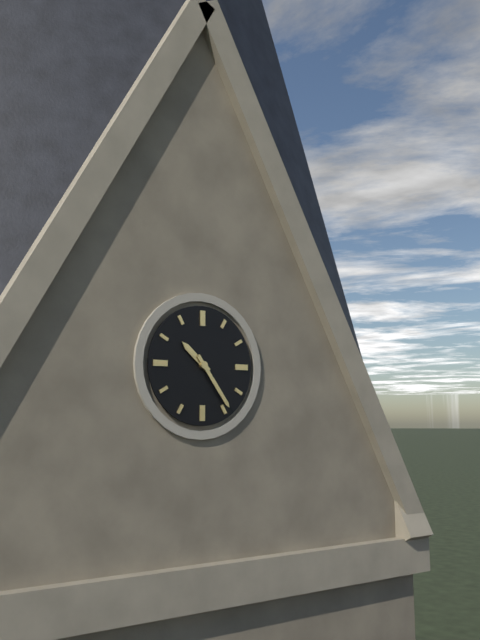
h=10 m=24
